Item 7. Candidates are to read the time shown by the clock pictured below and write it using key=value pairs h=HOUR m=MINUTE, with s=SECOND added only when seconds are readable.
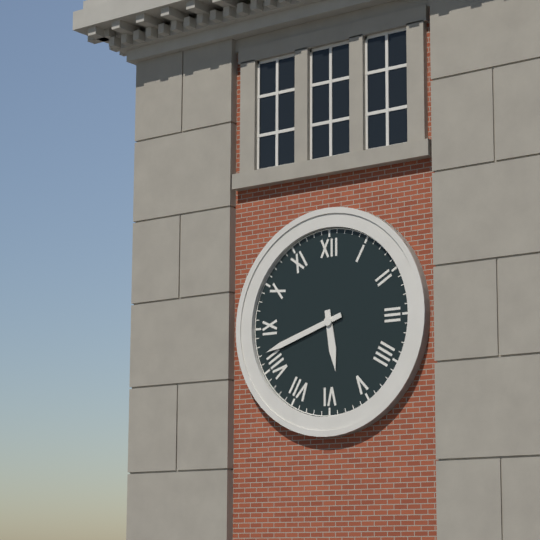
h=5 m=42
